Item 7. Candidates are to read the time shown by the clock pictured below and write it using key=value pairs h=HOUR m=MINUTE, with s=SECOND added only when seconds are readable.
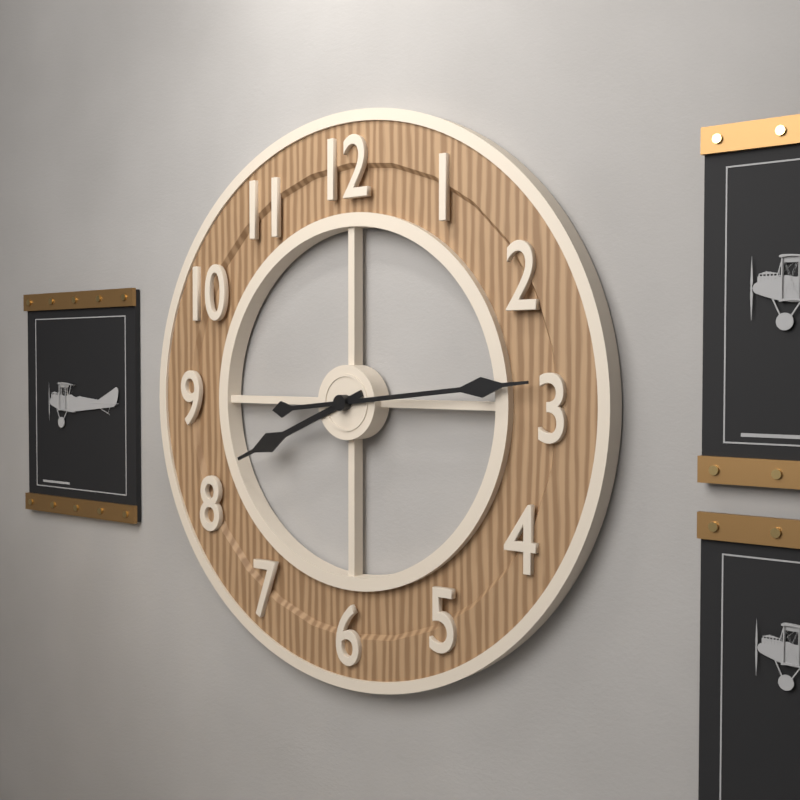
h=8 m=14
